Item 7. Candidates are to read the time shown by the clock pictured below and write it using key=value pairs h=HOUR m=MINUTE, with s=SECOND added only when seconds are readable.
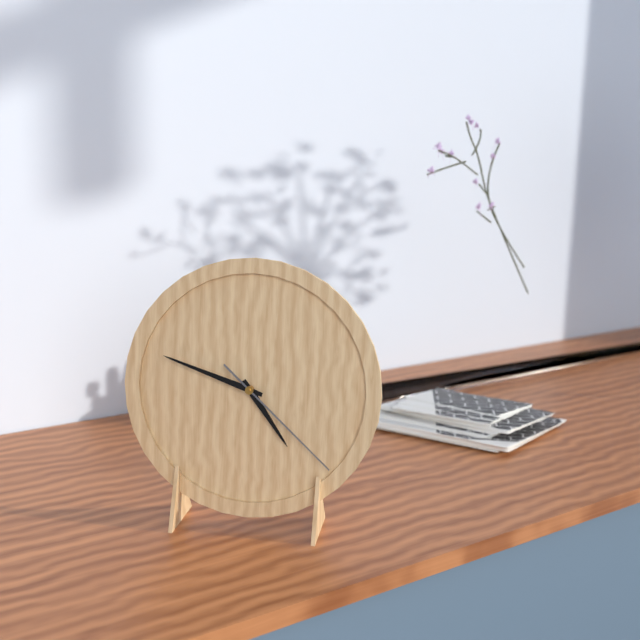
h=4 m=48 s=22
